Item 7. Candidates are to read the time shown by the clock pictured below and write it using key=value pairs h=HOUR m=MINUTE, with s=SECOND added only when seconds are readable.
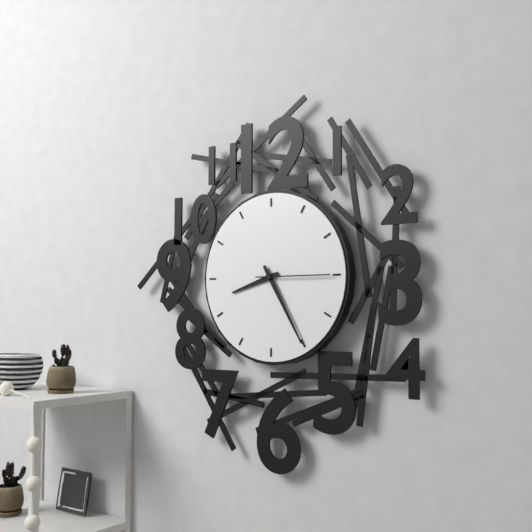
h=8 m=25 s=15
